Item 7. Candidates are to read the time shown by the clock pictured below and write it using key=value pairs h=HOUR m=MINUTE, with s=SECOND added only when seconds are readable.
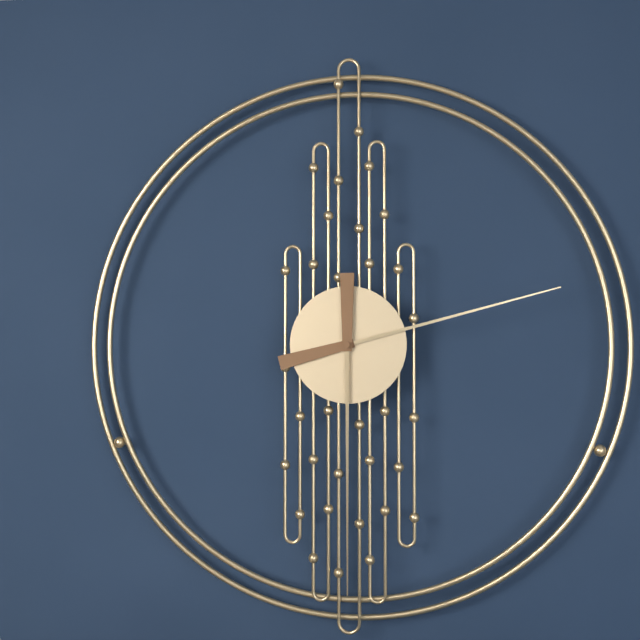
h=2 m=30
